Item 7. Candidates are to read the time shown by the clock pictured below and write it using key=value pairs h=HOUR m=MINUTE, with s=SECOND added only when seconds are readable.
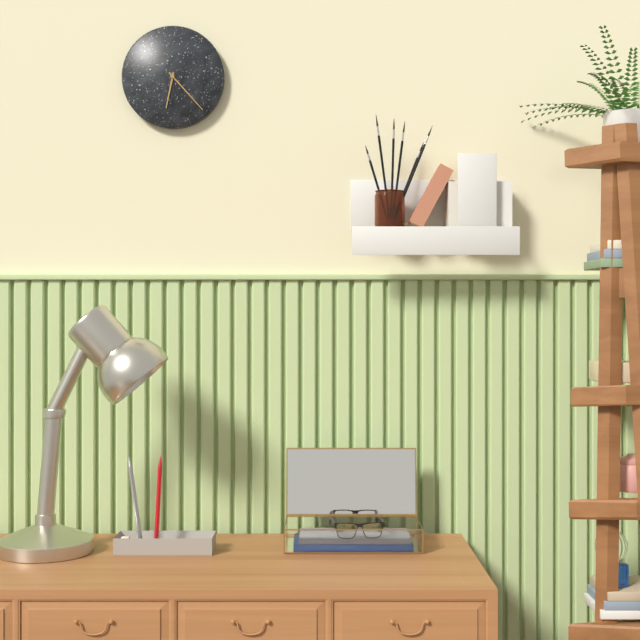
h=6 m=23
